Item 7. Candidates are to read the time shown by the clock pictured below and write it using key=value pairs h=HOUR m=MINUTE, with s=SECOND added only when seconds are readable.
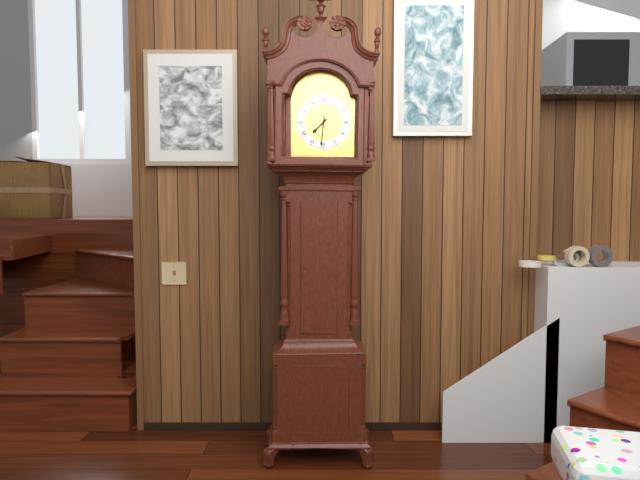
h=7 m=31
